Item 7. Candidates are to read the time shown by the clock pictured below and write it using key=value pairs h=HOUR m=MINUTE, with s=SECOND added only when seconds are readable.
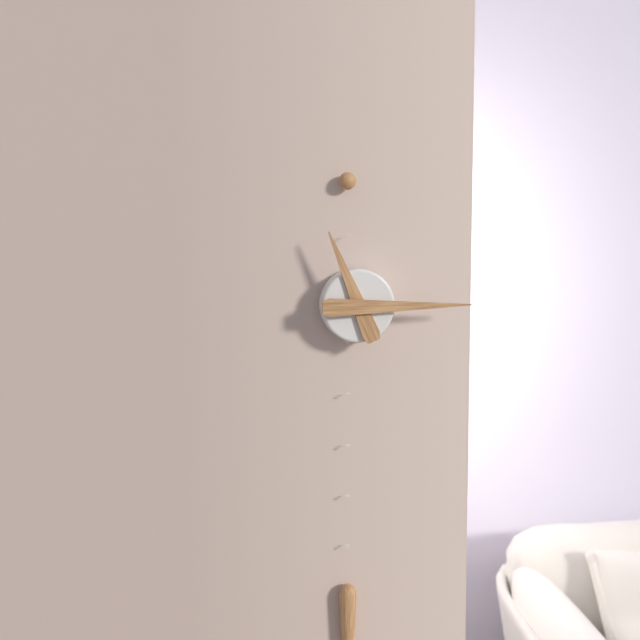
h=11 m=15
